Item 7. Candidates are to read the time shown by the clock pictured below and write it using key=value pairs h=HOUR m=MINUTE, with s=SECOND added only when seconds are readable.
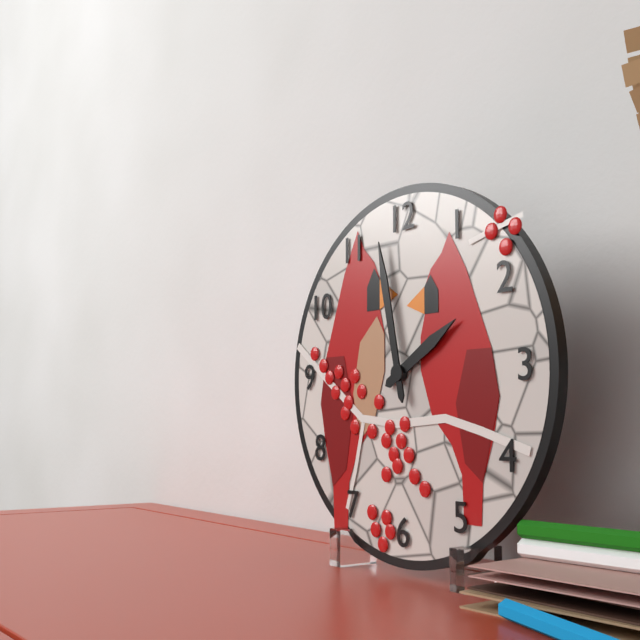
h=1 m=58
